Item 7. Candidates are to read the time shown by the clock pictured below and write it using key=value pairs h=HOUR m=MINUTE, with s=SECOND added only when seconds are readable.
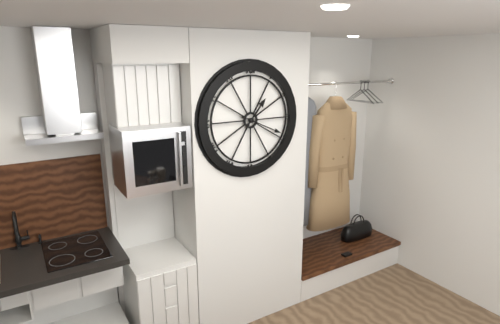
h=1 m=19
